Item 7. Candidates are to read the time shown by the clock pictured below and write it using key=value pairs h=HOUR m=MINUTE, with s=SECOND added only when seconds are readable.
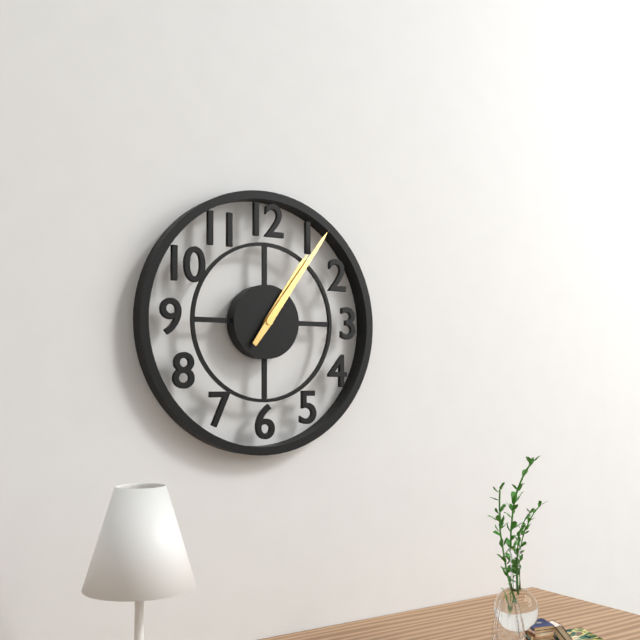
h=1 m=6
